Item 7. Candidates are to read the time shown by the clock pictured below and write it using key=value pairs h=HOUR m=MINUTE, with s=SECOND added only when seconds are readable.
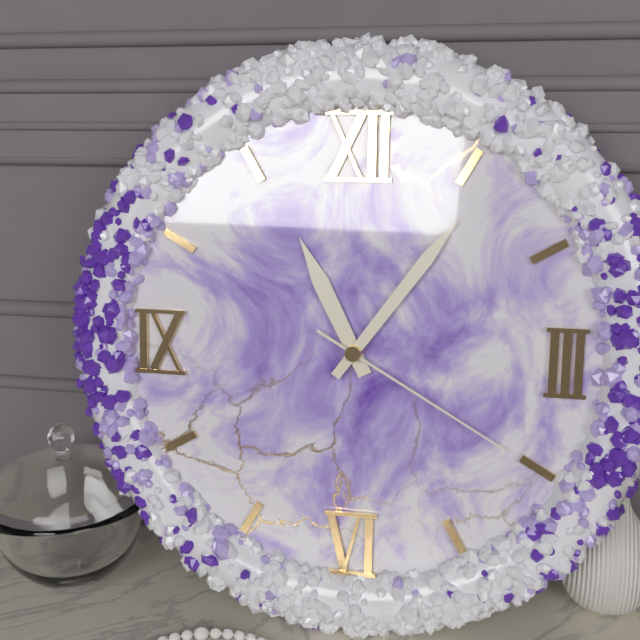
h=11 m=6 s=20
